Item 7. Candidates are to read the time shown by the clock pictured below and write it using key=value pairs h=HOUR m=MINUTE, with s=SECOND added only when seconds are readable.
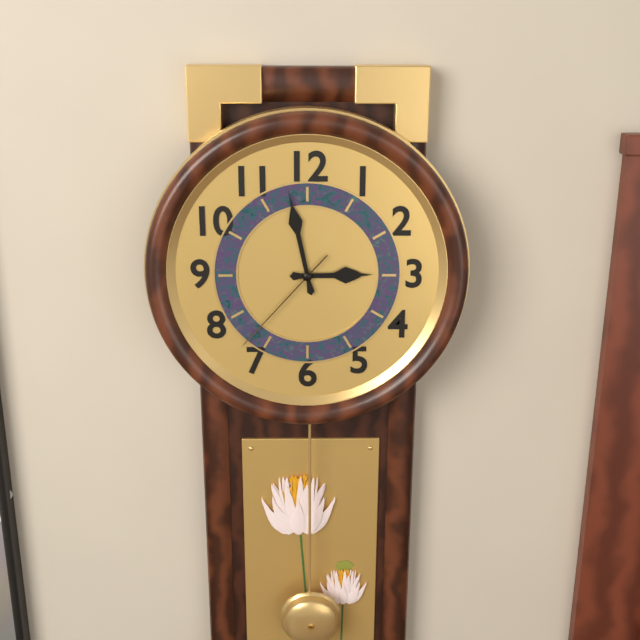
h=2 m=58 s=37
